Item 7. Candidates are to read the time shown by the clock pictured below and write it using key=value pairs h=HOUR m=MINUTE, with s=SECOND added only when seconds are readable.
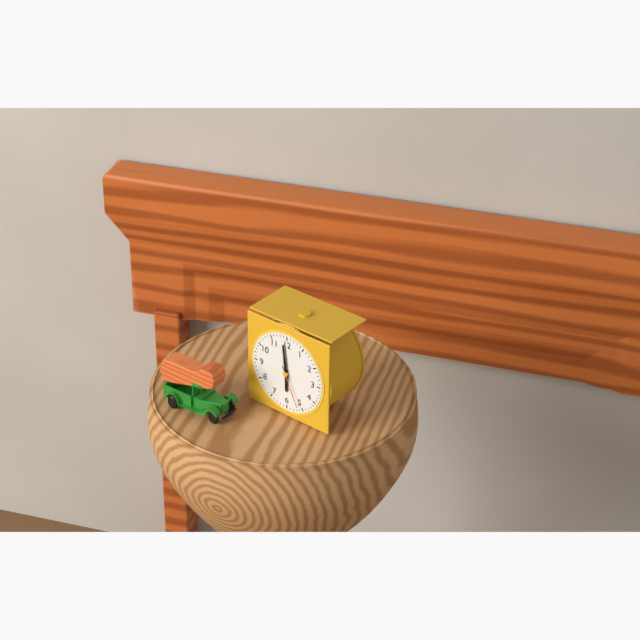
h=5 m=59
